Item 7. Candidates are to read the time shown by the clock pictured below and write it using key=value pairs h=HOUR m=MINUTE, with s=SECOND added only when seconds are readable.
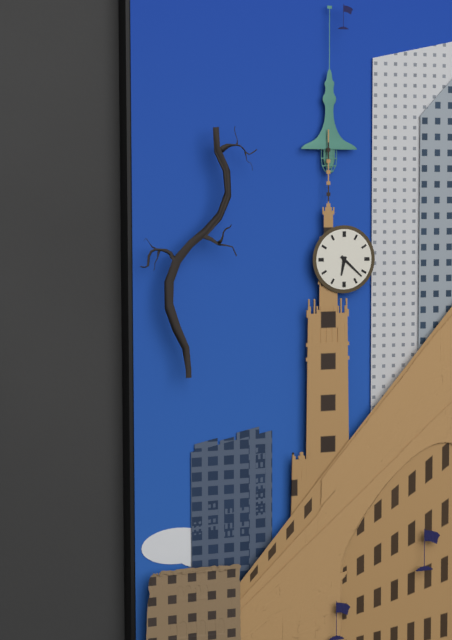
h=6 m=22
